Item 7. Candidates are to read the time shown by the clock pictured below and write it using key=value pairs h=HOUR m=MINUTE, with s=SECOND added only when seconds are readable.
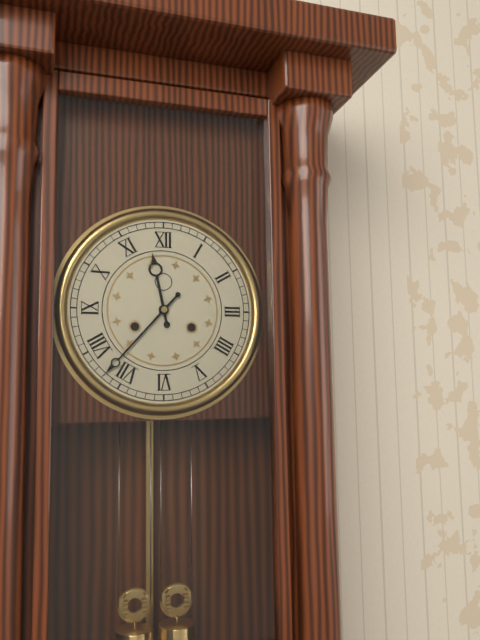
h=11 m=37
